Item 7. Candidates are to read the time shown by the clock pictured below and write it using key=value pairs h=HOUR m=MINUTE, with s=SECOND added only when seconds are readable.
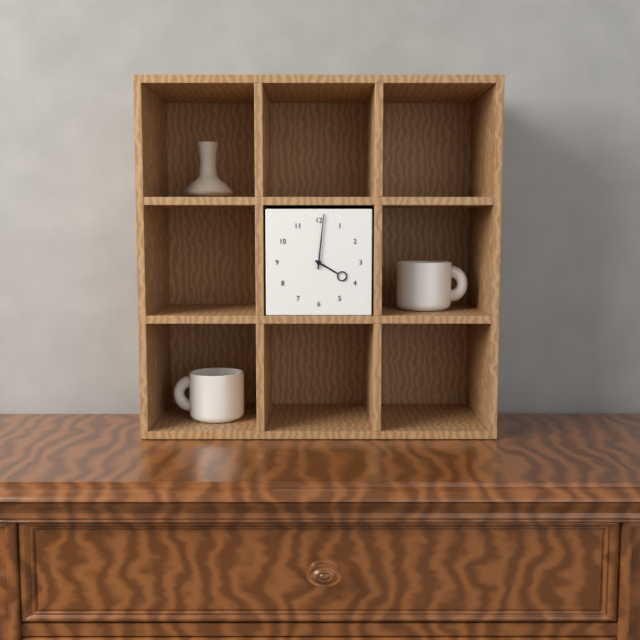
h=4 m=1
